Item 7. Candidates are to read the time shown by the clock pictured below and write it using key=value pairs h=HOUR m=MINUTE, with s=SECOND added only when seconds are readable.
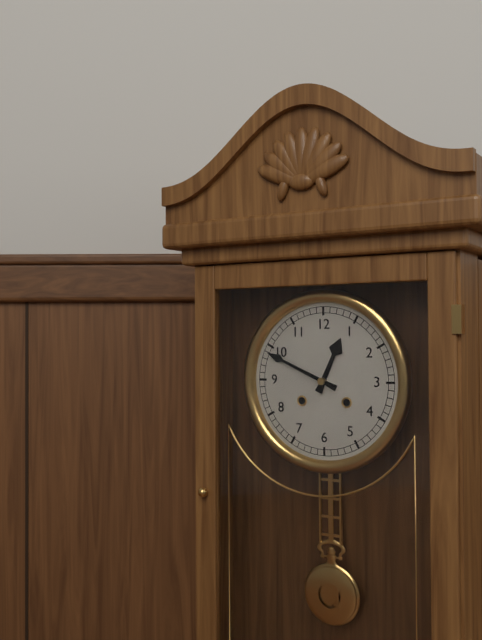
h=12 m=49
